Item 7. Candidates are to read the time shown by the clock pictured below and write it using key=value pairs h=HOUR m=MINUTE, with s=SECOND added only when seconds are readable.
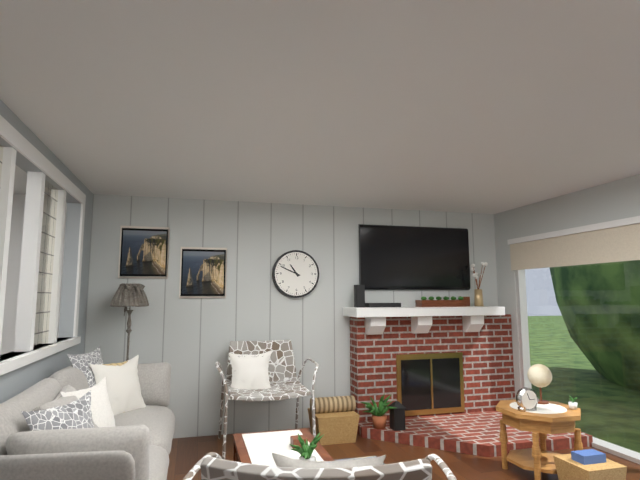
h=10 m=49
